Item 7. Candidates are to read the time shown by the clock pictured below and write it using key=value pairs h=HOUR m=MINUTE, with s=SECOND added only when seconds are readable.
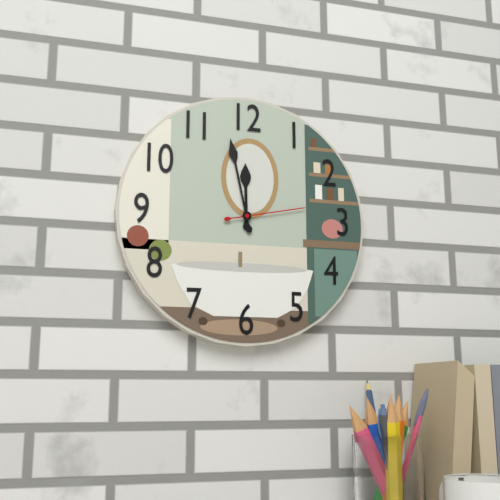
h=11 m=58 s=13
